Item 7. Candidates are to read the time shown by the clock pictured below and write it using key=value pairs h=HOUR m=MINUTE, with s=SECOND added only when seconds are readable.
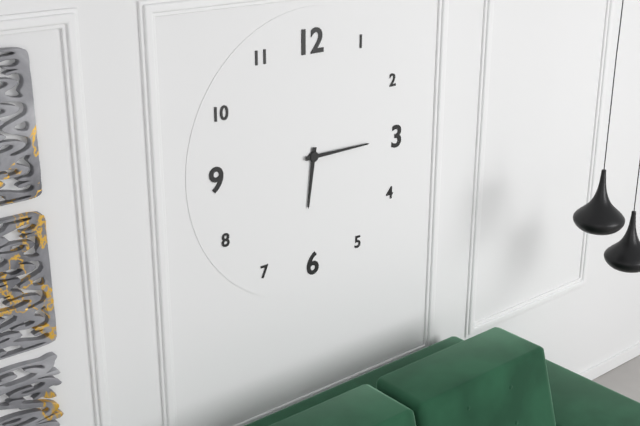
h=6 m=15
